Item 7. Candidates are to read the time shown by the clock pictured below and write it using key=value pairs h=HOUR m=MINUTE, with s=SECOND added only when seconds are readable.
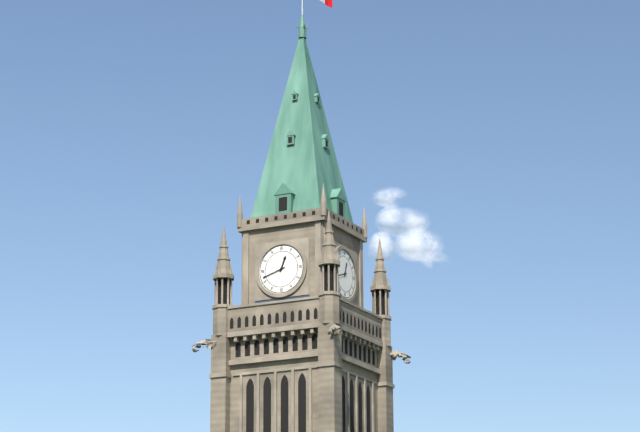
h=12 m=42
